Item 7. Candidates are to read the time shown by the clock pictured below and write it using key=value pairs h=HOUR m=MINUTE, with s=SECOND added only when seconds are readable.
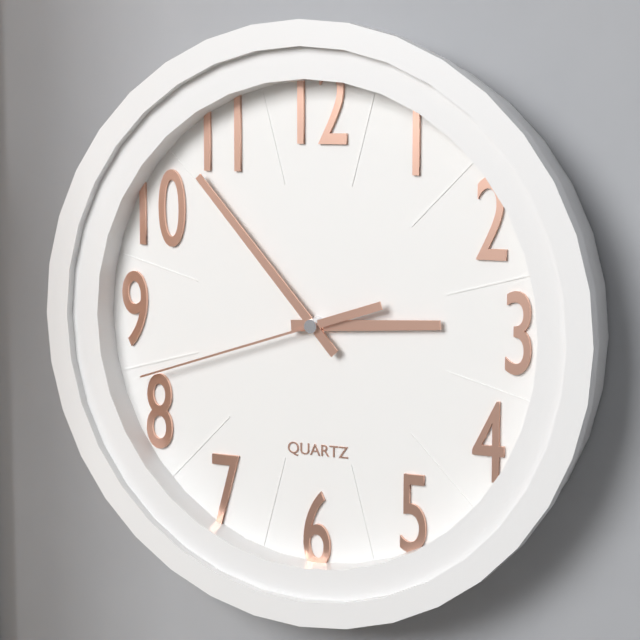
h=2 m=53 s=42
